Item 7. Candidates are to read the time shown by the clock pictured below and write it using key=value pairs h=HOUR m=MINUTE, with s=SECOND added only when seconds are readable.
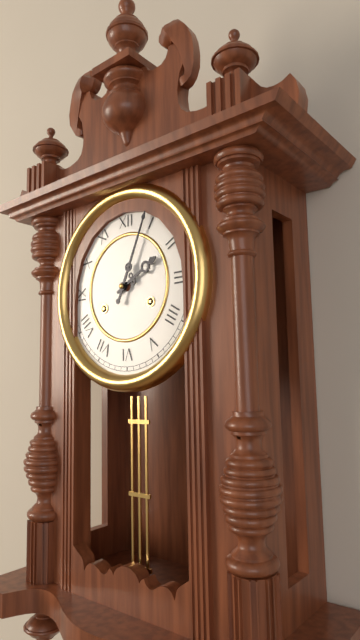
h=2 m=4
